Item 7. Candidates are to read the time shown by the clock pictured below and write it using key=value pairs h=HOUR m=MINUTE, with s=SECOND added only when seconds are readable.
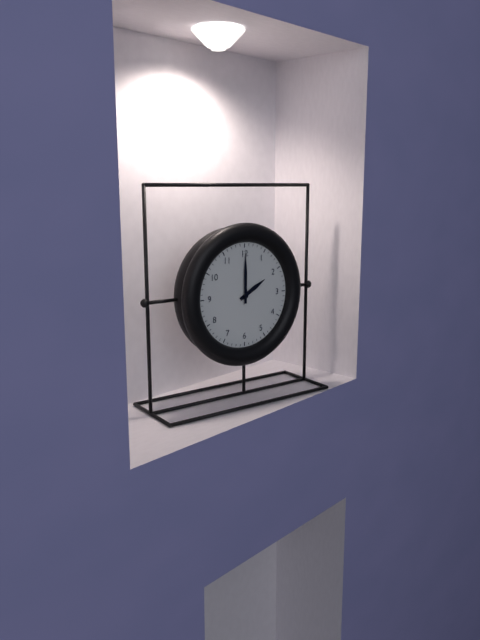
h=2 m=0
